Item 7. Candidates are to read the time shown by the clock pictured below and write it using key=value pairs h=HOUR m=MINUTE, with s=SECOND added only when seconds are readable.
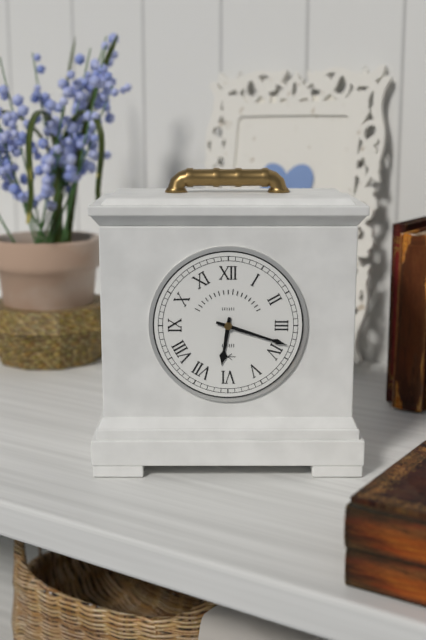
h=6 m=18
